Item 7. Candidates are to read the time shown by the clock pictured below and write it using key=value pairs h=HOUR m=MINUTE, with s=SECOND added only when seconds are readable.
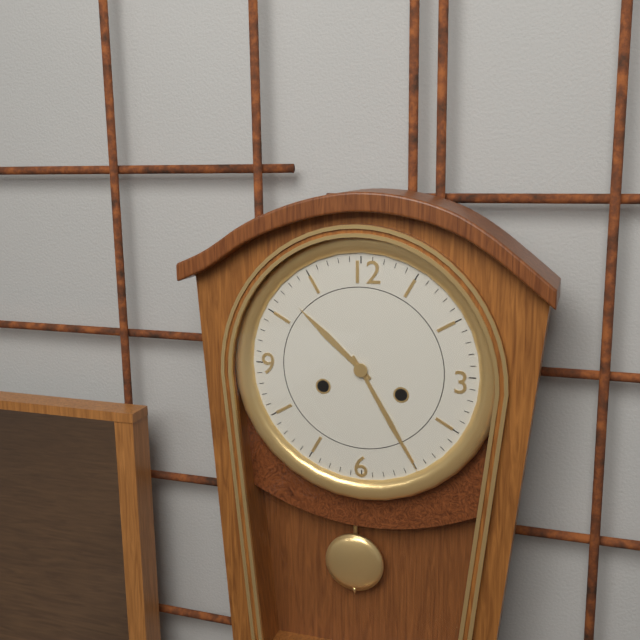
h=10 m=25
